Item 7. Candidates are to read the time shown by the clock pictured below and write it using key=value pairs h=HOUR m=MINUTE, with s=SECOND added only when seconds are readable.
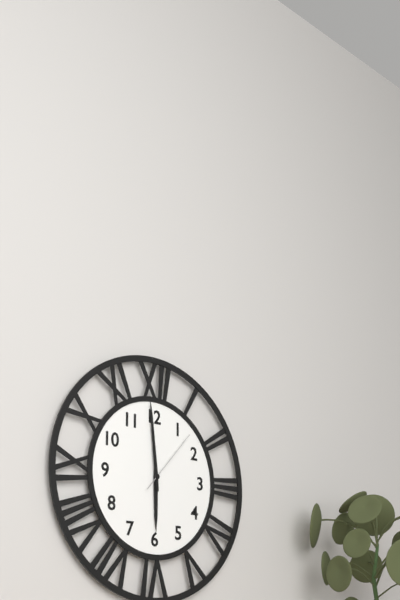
h=5 m=59 s=7
